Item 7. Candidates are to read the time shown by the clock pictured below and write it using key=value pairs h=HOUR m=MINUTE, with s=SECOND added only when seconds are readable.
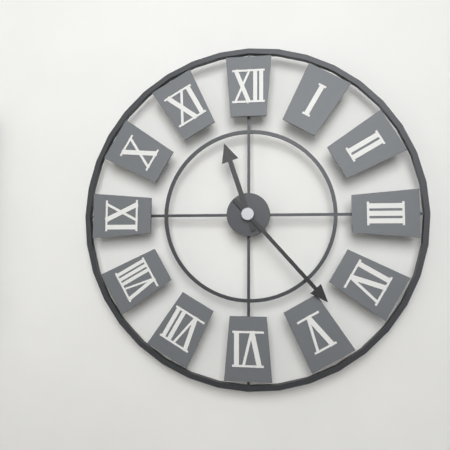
h=11 m=23
